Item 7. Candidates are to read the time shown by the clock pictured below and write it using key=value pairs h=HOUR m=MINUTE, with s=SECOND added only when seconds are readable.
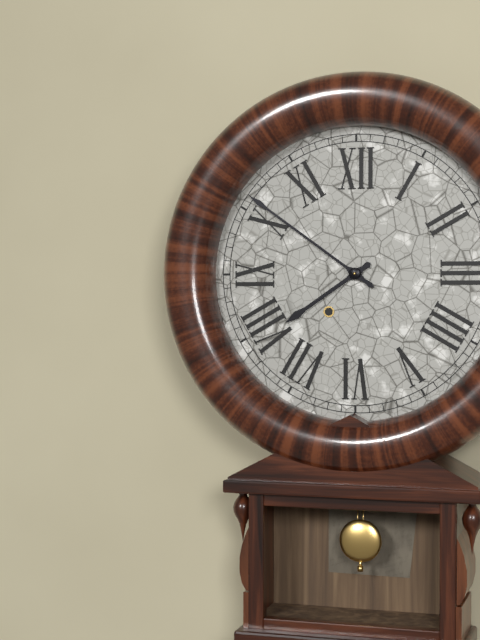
h=7 m=51
